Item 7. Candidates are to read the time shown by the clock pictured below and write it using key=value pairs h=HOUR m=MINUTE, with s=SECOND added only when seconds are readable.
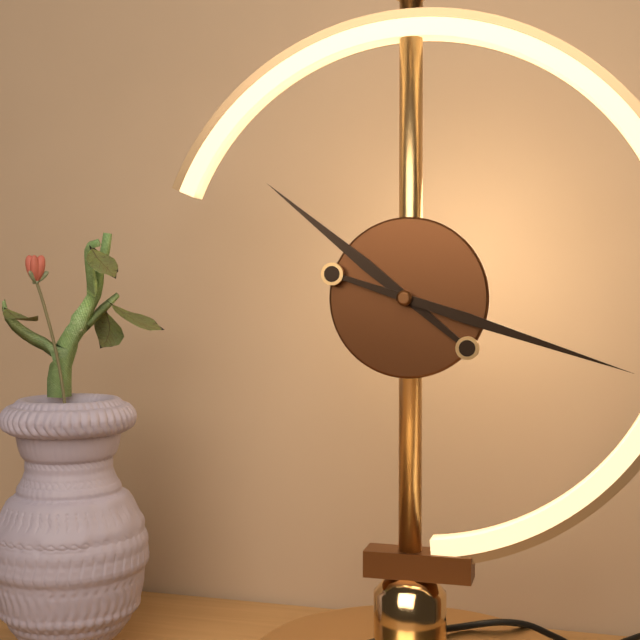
h=10 m=18
